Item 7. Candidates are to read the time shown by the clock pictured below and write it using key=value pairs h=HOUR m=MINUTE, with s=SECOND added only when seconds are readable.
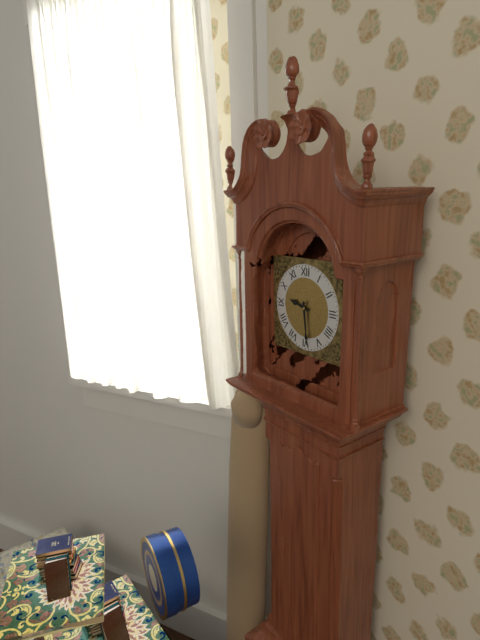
h=9 m=29
